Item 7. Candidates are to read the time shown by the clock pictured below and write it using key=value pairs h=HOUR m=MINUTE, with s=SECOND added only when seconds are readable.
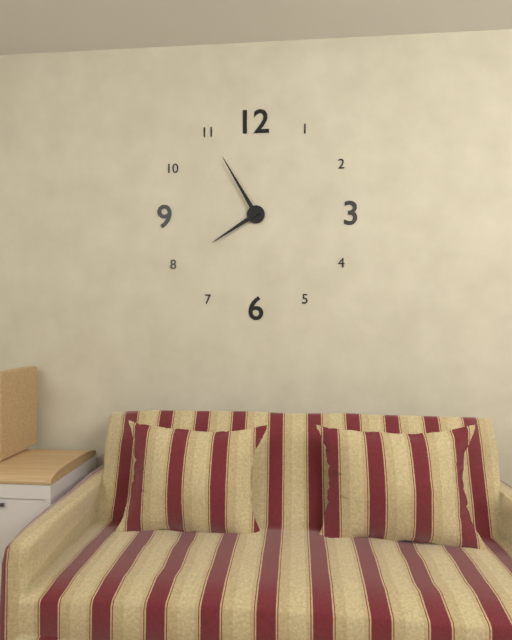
h=7 m=55
